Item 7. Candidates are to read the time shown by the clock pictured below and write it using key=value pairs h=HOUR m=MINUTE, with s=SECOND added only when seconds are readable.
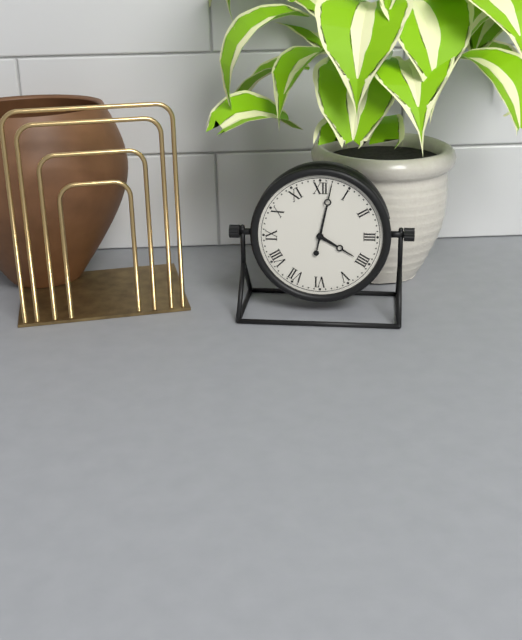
h=4 m=2
